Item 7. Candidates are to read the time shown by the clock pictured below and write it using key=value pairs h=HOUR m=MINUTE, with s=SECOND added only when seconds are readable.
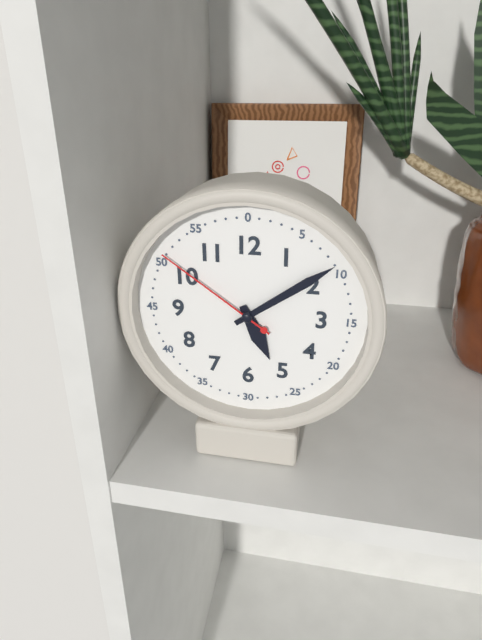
h=5 m=9 s=51
